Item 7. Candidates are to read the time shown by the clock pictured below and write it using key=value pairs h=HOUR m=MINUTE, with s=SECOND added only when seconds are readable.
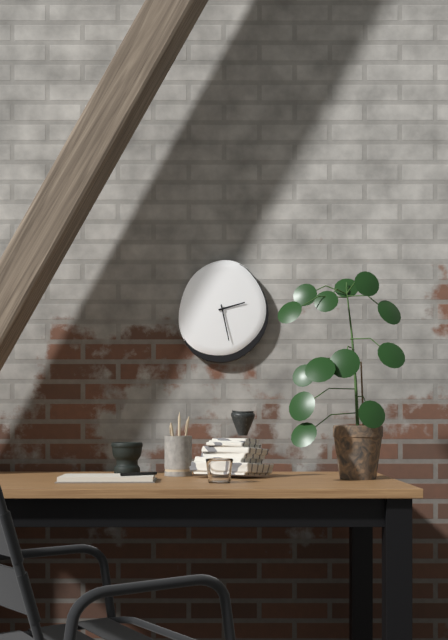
h=2 m=28
